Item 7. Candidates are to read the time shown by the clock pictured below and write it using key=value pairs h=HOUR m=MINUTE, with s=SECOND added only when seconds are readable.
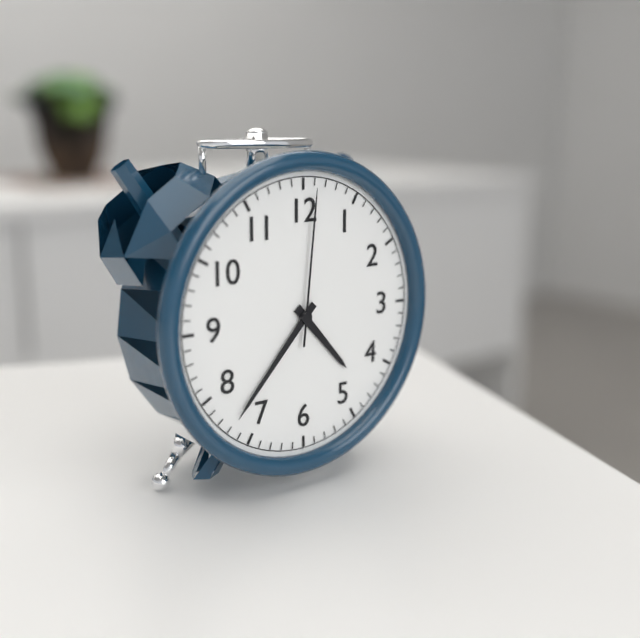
h=4 m=37 s=1
